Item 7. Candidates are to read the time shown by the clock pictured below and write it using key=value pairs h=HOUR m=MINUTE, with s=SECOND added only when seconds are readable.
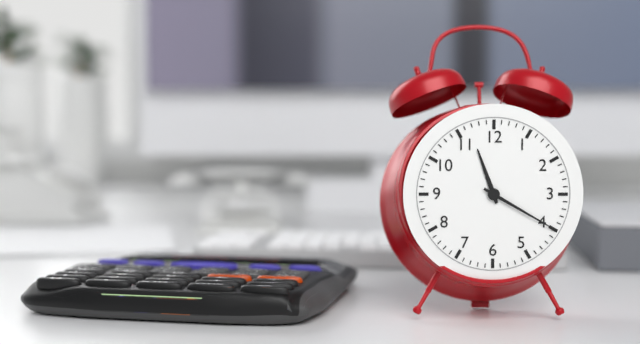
h=11 m=20
